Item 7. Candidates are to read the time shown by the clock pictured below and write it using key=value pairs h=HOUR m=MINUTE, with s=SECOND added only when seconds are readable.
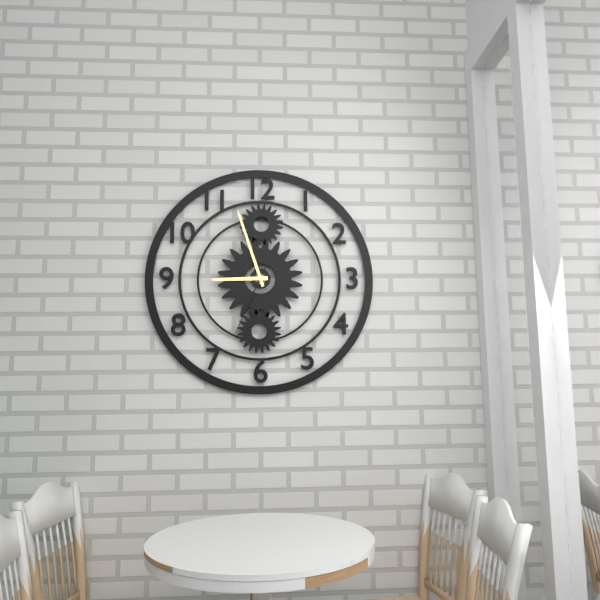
h=8 m=57 s=34
